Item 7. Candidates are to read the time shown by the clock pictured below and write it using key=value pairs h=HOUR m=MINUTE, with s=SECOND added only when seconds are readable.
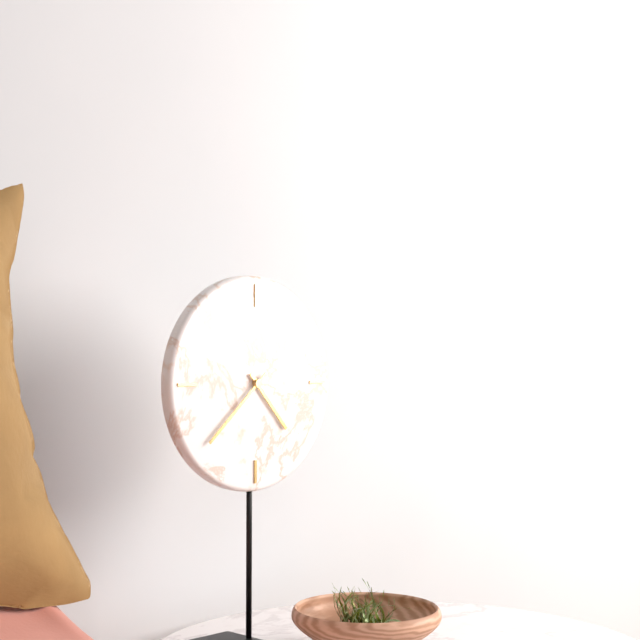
h=4 m=38
